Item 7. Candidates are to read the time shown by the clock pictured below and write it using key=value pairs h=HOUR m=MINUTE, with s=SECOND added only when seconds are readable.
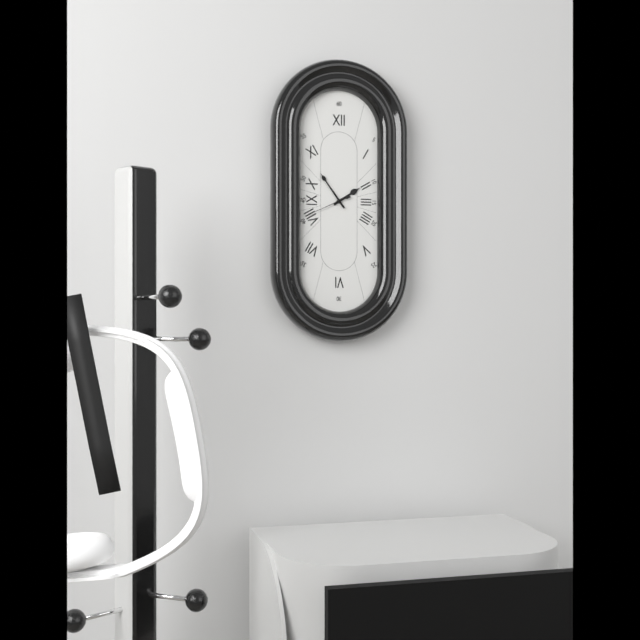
h=1 m=54
